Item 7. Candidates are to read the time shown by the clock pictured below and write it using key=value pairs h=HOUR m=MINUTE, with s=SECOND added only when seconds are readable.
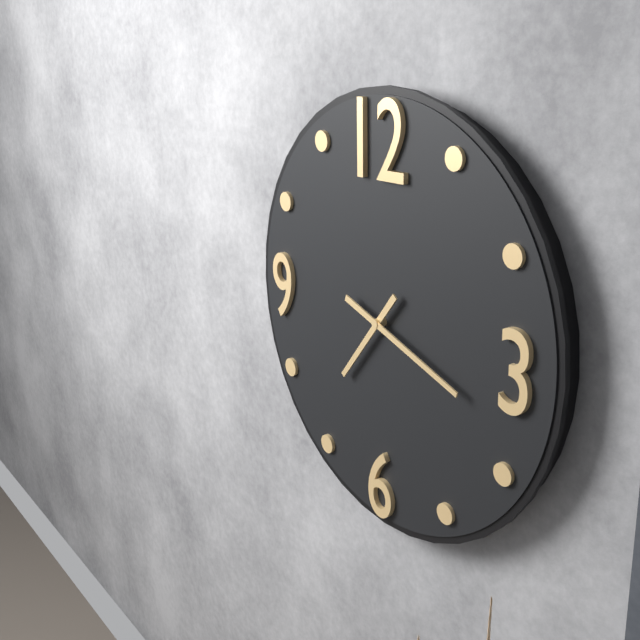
h=7 m=18
